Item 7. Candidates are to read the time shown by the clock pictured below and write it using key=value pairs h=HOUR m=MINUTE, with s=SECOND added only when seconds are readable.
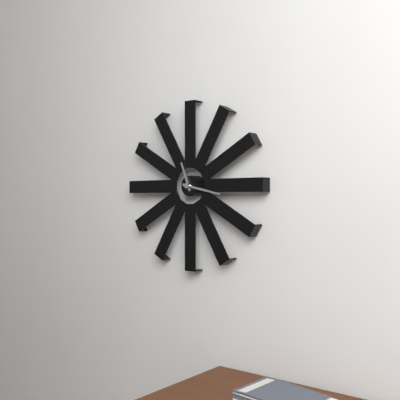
h=11 m=17
